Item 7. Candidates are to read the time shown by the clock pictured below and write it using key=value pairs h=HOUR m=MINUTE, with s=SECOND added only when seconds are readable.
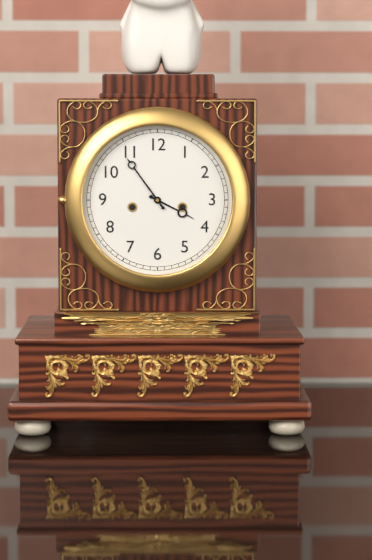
h=3 m=54
